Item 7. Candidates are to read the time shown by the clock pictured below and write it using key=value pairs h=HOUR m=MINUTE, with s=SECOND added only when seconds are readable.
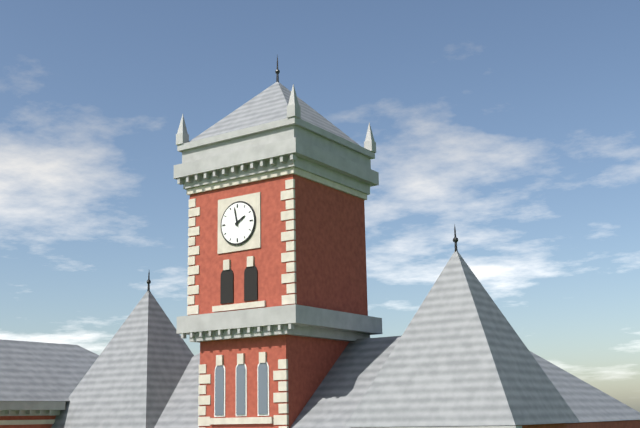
h=1 m=58
